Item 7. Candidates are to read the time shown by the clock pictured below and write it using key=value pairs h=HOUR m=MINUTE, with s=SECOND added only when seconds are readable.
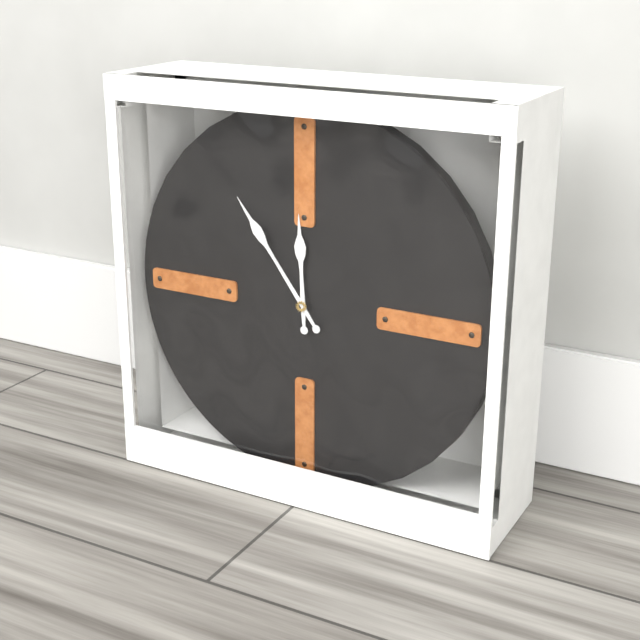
h=11 m=54
